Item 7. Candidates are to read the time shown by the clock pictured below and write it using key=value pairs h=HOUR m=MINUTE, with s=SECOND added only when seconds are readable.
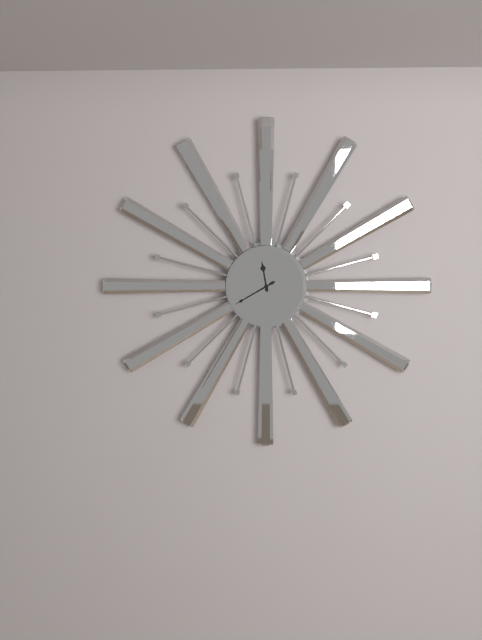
h=11 m=40
